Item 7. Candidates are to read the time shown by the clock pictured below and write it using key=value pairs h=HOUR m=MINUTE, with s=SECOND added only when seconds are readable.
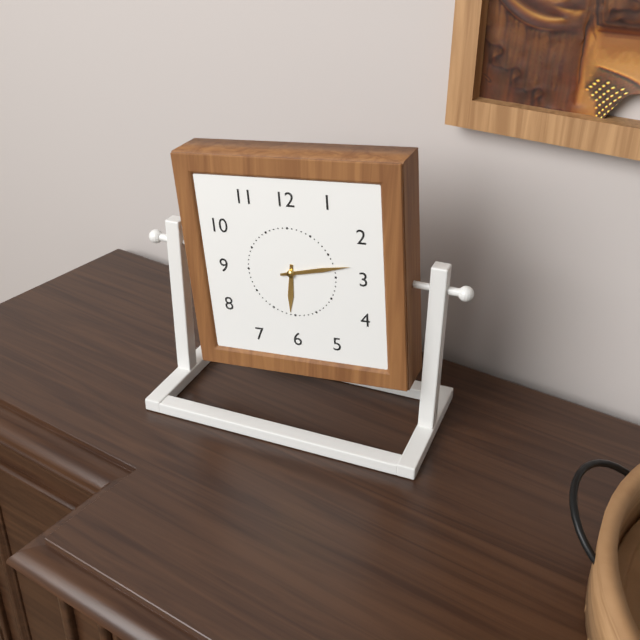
h=6 m=13
